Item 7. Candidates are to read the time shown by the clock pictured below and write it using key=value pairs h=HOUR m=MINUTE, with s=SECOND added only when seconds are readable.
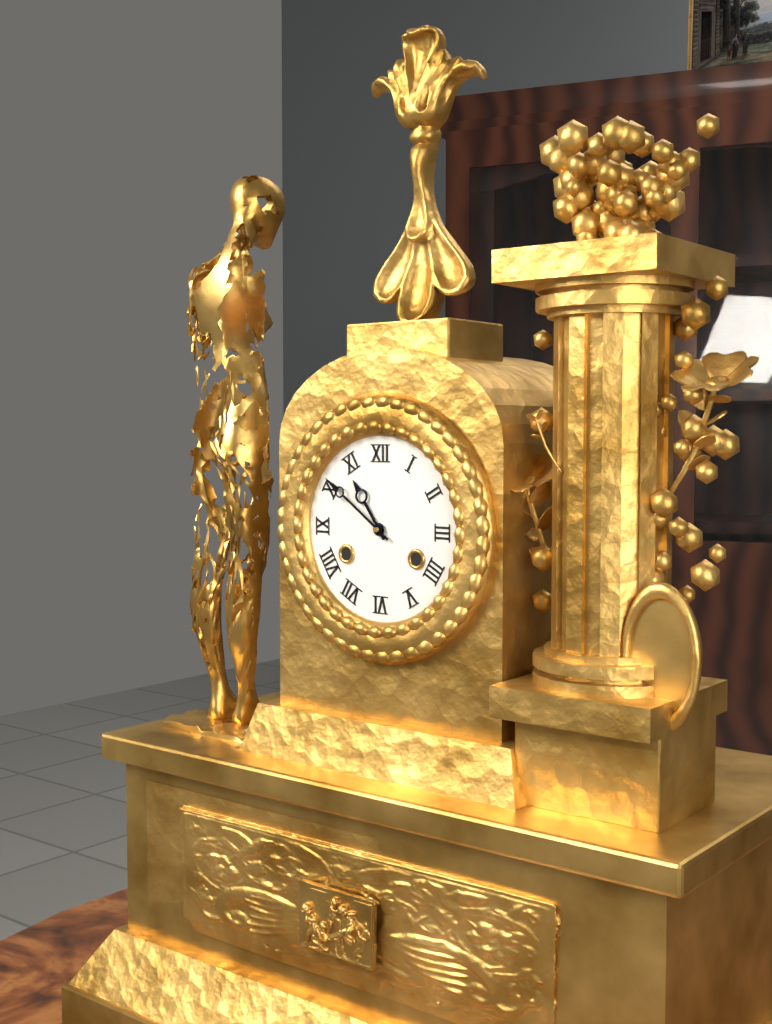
h=10 m=51
